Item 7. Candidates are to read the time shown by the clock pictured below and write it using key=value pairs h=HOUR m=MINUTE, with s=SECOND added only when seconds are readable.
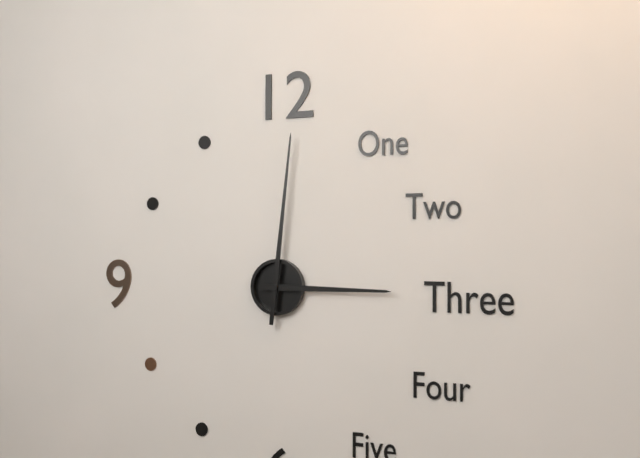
h=3 m=1
